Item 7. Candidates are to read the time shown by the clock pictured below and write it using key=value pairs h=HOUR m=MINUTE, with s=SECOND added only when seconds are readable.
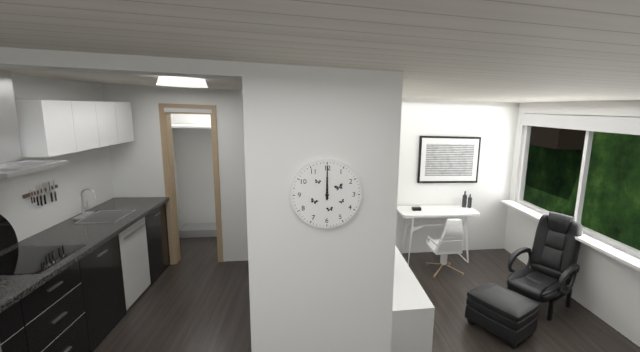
h=12 m=0
